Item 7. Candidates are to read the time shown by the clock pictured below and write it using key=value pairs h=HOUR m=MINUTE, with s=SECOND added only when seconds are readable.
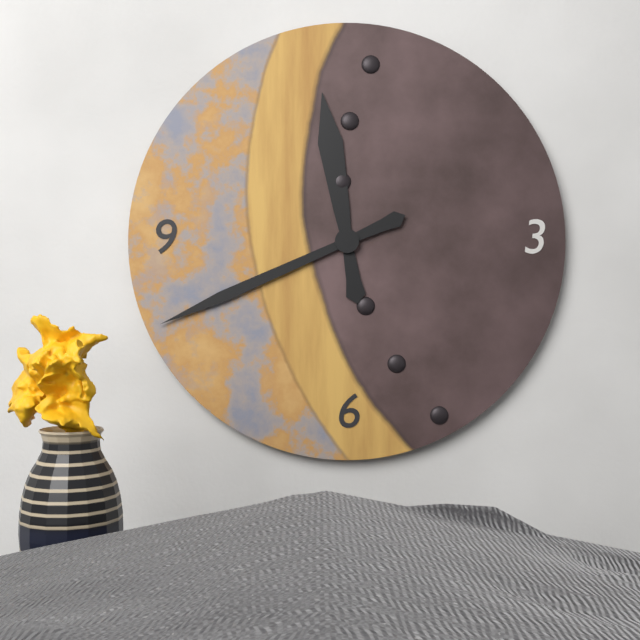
h=11 m=41
